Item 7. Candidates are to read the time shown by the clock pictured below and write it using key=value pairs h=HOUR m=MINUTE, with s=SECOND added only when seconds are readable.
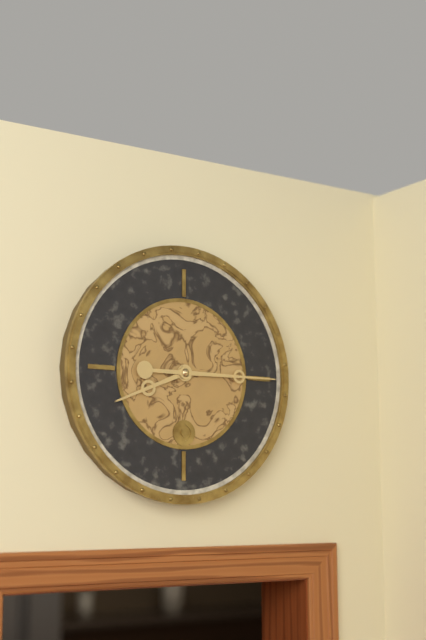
h=8 m=15
